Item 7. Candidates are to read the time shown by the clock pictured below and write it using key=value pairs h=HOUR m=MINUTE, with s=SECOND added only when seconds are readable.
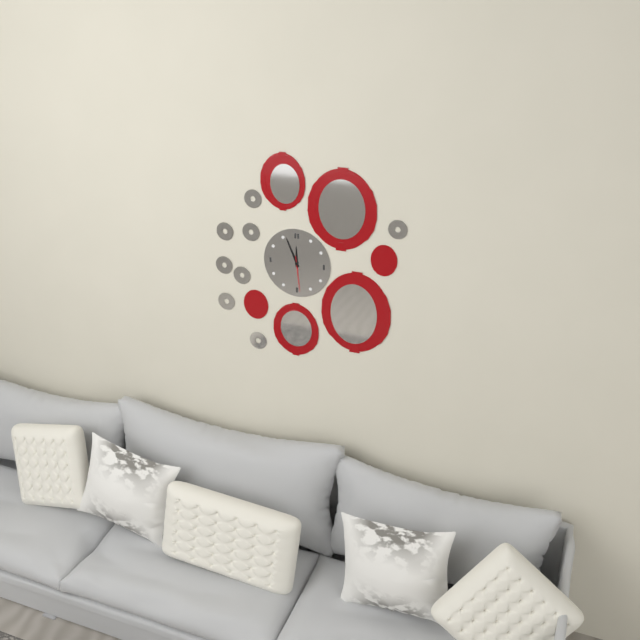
h=11 m=56
